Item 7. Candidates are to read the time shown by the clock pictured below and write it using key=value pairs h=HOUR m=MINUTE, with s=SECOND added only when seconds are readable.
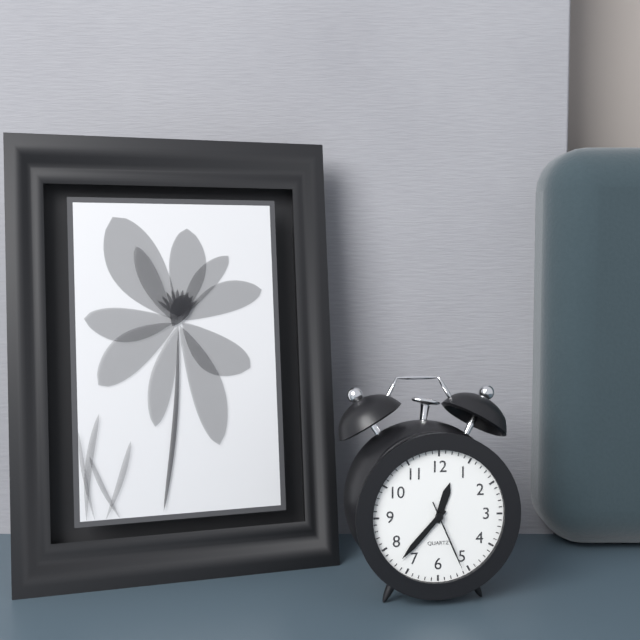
h=12 m=37 s=26
